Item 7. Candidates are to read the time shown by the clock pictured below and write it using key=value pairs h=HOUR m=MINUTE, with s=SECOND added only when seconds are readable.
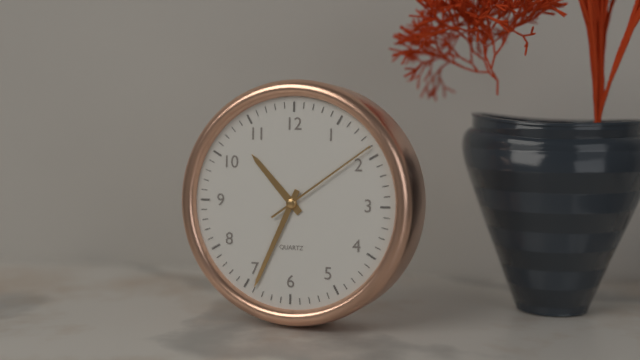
h=10 m=34 s=9
